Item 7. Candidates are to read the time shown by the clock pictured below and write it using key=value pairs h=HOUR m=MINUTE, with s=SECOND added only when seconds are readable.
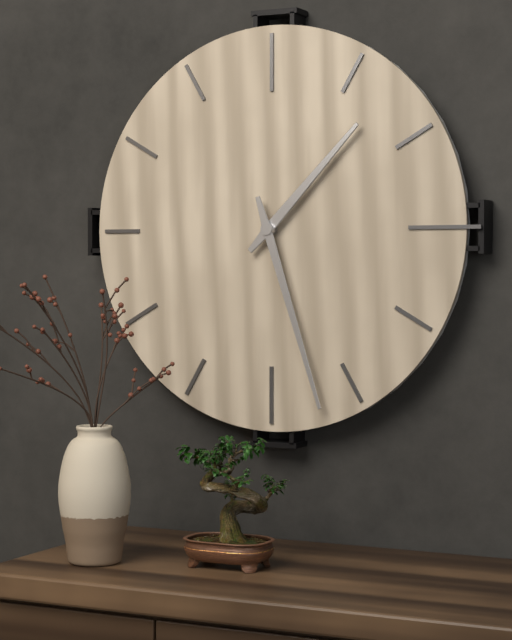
h=1 m=27
